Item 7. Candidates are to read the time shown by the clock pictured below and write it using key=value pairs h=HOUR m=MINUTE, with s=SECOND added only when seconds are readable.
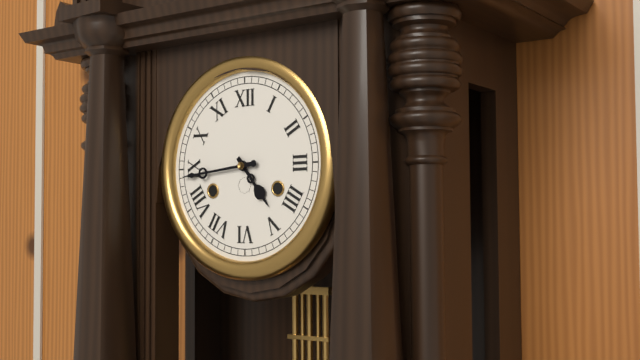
h=4 m=44
